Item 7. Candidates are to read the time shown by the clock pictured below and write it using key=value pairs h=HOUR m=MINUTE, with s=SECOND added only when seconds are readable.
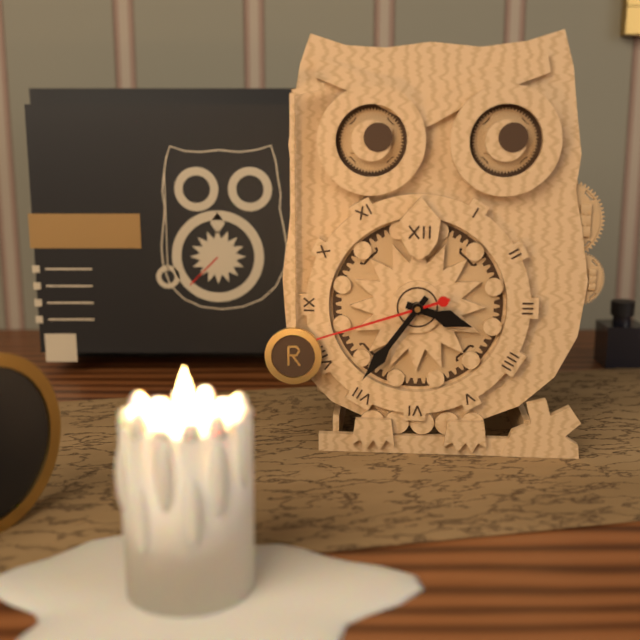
h=3 m=36 s=42
